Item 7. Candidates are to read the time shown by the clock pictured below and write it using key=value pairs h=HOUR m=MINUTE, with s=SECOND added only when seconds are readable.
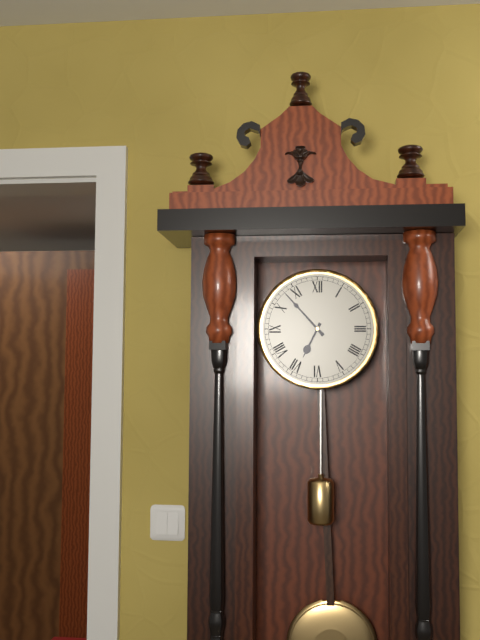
h=6 m=53
